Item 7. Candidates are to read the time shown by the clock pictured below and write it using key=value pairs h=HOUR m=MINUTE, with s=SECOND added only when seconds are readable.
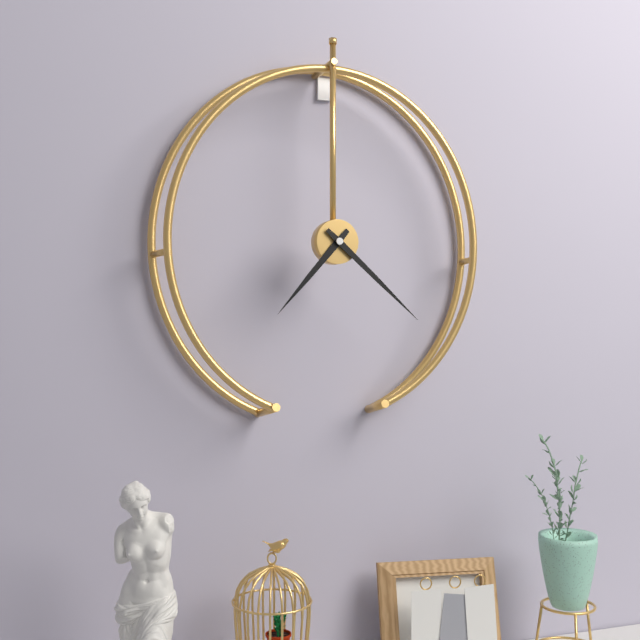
h=7 m=22
